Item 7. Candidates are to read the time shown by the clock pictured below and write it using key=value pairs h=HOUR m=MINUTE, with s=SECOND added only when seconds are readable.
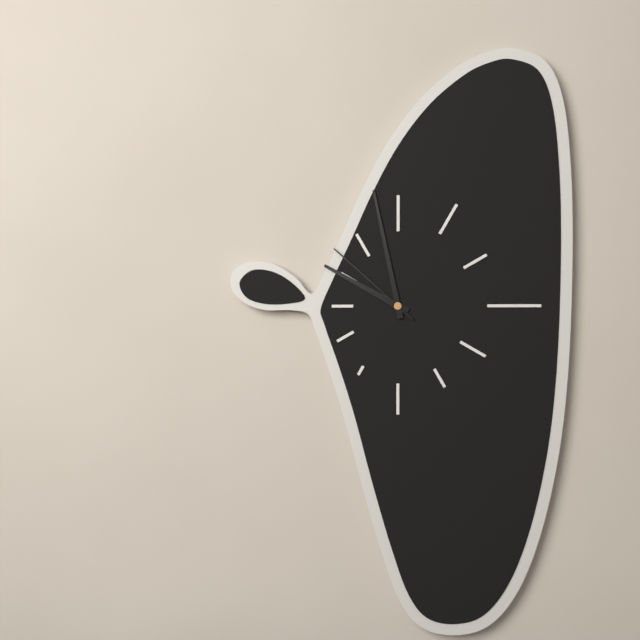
h=9 m=58 s=52
